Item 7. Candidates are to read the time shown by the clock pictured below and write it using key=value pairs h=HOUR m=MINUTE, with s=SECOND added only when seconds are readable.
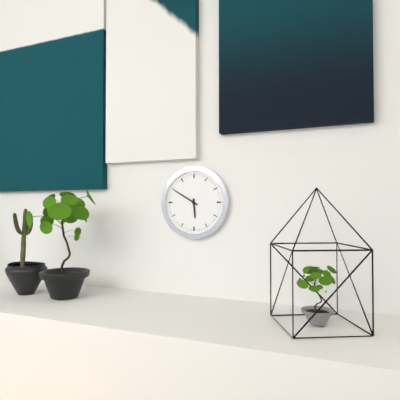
h=5 m=50
